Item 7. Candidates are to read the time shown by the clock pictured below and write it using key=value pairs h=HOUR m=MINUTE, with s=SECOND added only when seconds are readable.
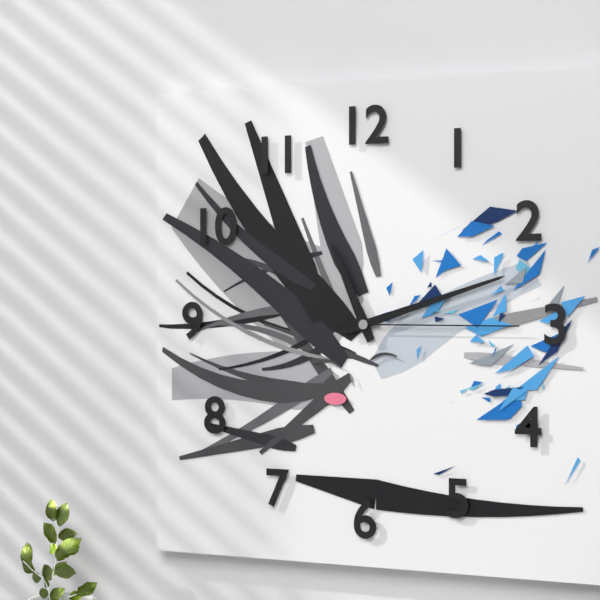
h=11 m=12 s=15
